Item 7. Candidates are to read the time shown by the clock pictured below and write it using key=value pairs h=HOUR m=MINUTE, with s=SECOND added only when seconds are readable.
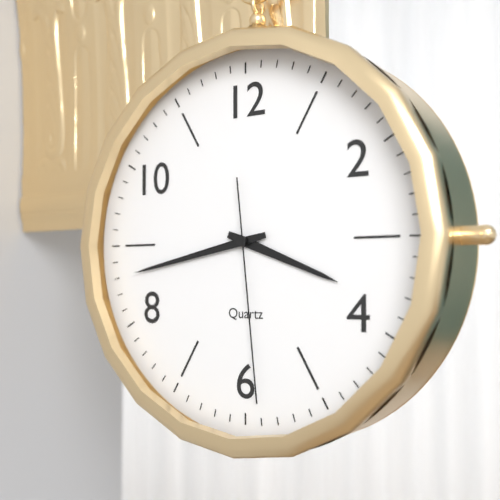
h=3 m=43 s=29
